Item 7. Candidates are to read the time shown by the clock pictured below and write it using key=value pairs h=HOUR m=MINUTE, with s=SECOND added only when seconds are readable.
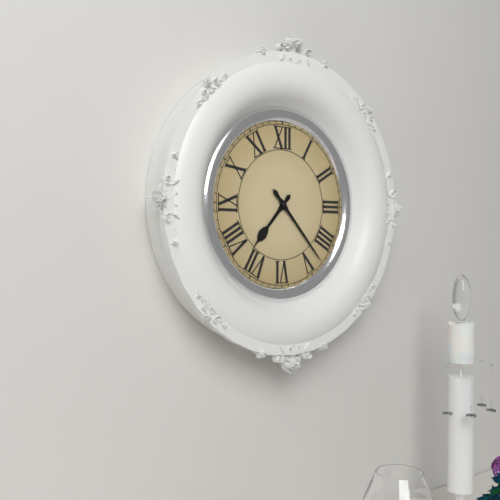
h=7 m=23
